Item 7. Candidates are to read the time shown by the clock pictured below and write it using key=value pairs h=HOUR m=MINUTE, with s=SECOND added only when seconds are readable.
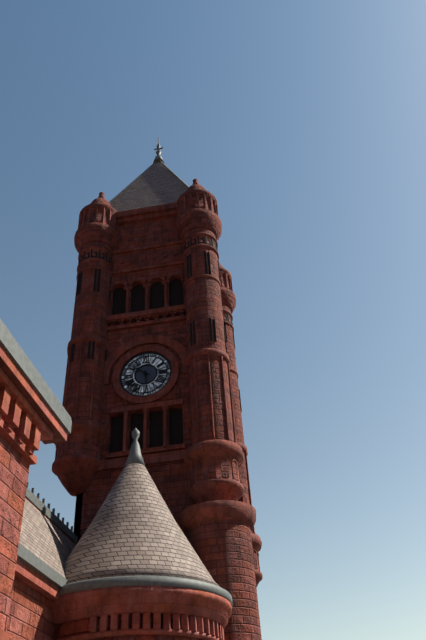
h=5 m=51
